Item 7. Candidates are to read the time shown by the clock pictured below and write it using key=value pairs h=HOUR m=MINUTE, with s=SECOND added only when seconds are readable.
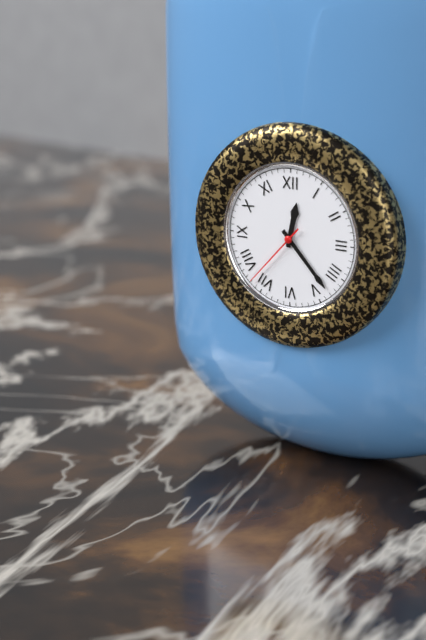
h=12 m=23 s=37
